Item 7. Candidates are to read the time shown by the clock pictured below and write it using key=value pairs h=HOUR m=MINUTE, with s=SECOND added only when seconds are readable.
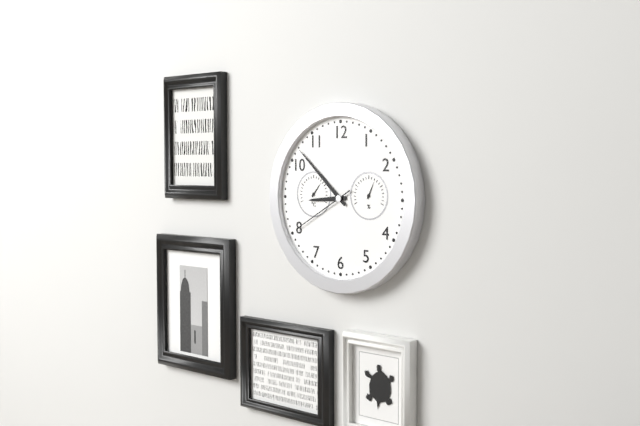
h=8 m=52 s=40
